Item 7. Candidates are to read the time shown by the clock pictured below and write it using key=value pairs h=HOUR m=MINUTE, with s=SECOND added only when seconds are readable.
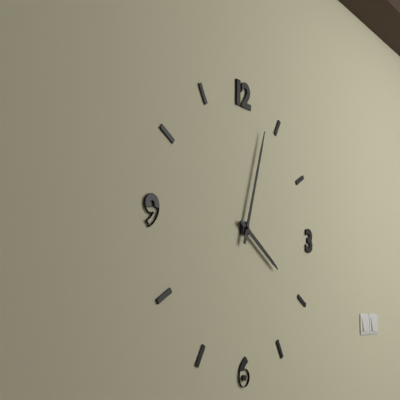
h=4 m=3
